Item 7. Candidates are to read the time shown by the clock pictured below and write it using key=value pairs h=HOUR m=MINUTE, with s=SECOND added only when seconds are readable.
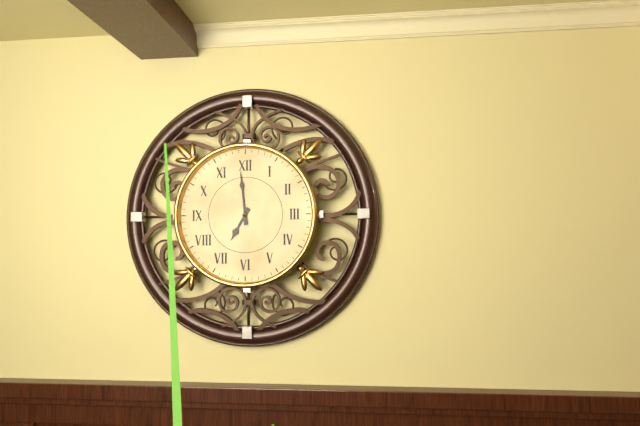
h=6 m=59
